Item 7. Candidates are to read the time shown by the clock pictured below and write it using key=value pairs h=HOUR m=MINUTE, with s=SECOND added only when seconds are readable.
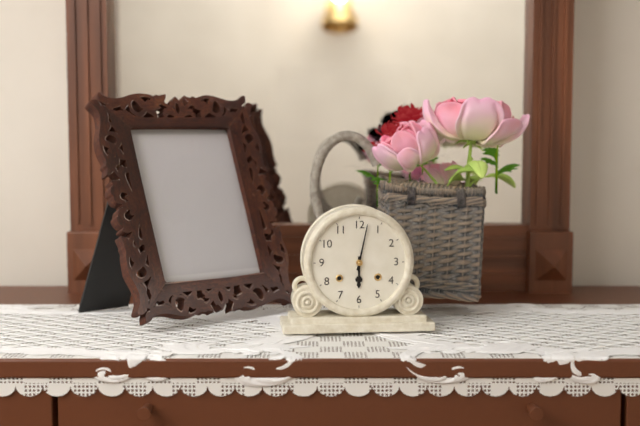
h=6 m=2
